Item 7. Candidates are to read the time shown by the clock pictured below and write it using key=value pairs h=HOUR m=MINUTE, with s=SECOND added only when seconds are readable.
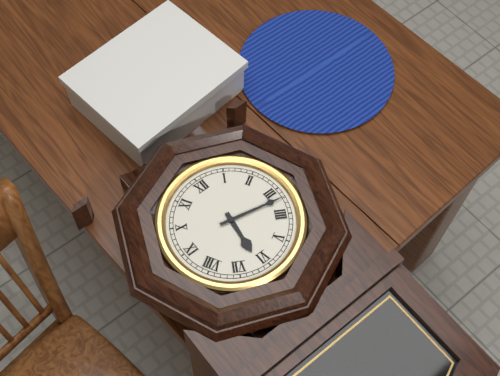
h=6 m=17
